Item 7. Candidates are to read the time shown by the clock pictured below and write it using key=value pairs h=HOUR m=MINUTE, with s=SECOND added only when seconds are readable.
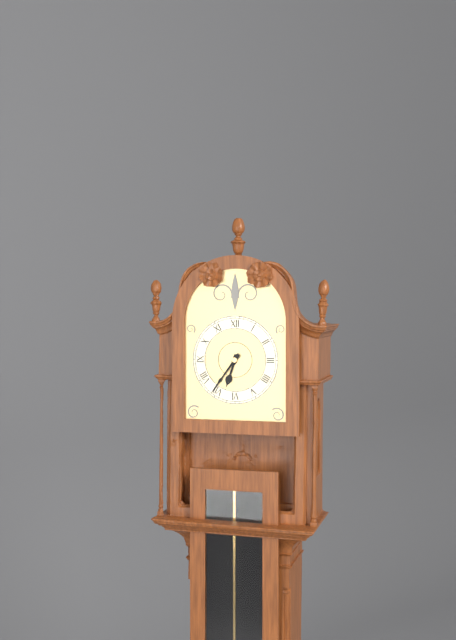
h=6 m=36
